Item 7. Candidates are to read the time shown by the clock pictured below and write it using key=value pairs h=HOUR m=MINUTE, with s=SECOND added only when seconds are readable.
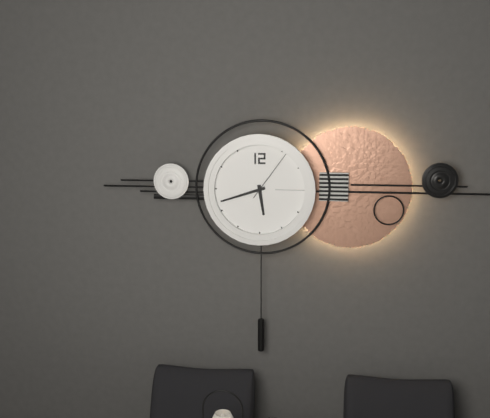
h=5 m=42 s=6
